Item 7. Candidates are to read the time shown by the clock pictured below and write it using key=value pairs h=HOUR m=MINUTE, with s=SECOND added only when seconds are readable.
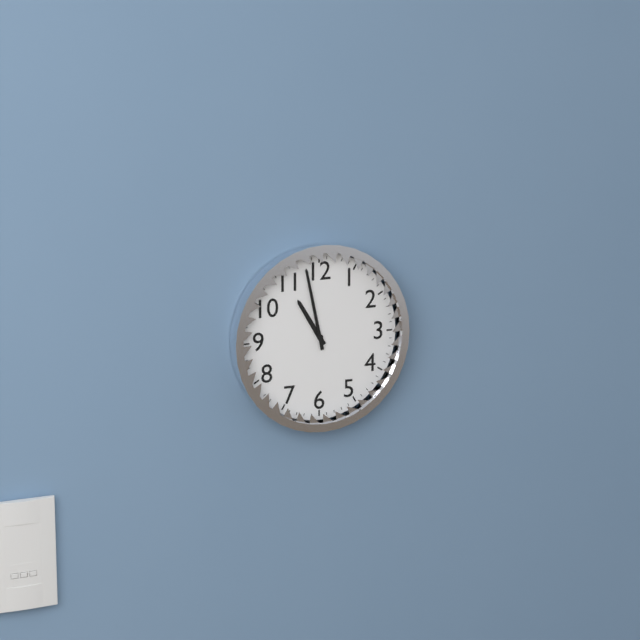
h=10 m=58
